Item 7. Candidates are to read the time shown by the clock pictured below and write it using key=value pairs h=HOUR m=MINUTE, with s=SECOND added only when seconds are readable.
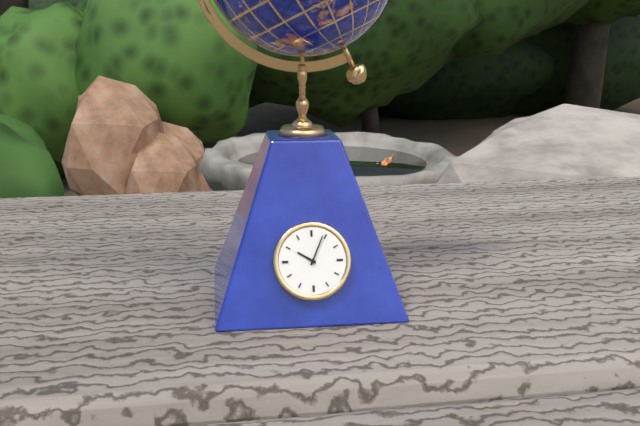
h=10 m=4
